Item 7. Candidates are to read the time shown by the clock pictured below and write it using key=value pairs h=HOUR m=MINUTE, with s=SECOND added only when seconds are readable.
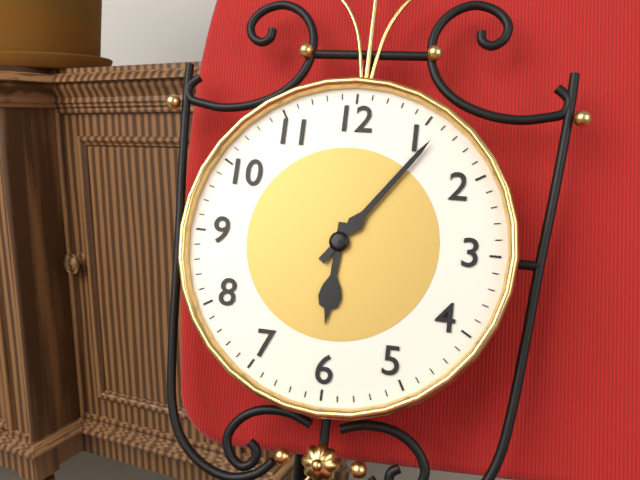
h=6 m=6
